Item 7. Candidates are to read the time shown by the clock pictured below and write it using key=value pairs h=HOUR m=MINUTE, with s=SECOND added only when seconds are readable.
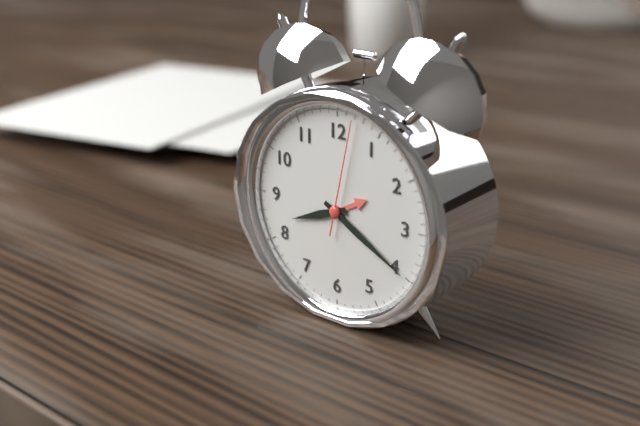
h=8 m=20 s=2
